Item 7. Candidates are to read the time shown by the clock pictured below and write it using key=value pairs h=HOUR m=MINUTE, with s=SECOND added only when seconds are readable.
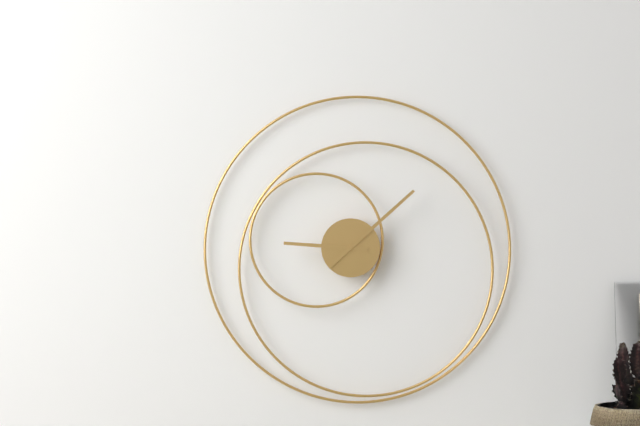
h=9 m=8
